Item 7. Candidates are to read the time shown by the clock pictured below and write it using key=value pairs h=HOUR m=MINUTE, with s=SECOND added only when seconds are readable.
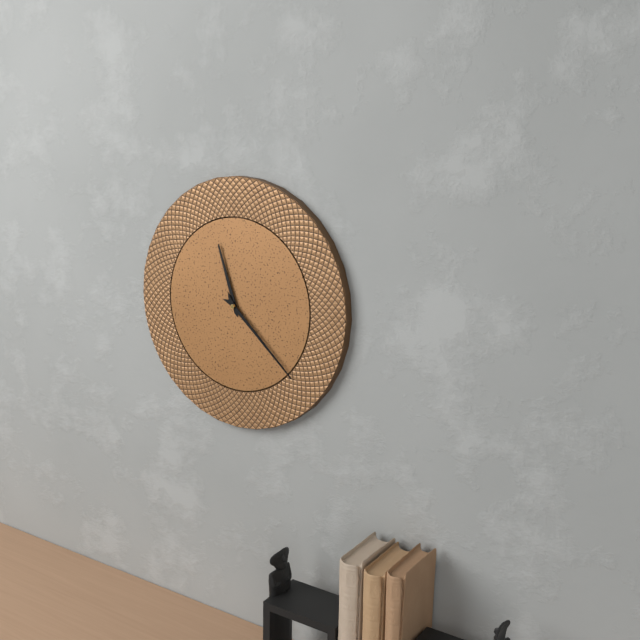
h=11 m=22
